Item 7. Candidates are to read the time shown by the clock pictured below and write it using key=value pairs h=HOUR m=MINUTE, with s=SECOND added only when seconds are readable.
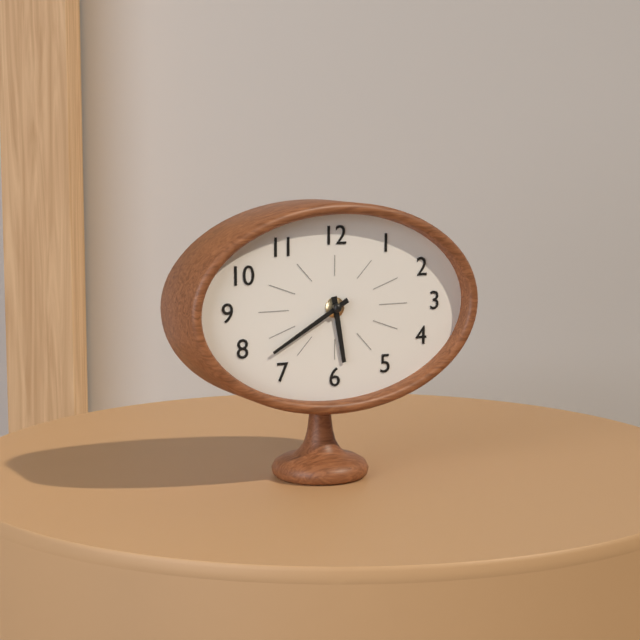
h=5 m=40
